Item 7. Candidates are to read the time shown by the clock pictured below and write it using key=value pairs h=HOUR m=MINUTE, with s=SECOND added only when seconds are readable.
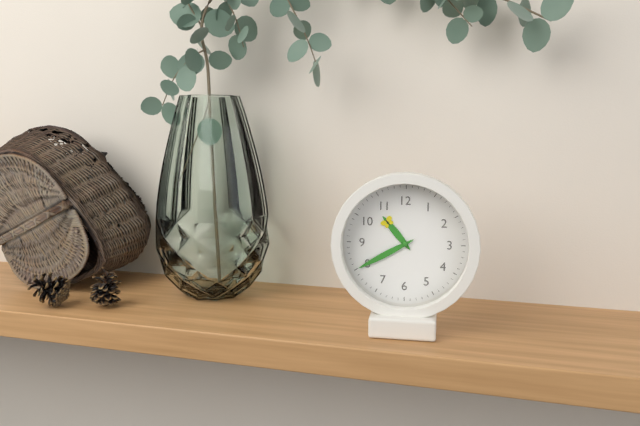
h=10 m=40
